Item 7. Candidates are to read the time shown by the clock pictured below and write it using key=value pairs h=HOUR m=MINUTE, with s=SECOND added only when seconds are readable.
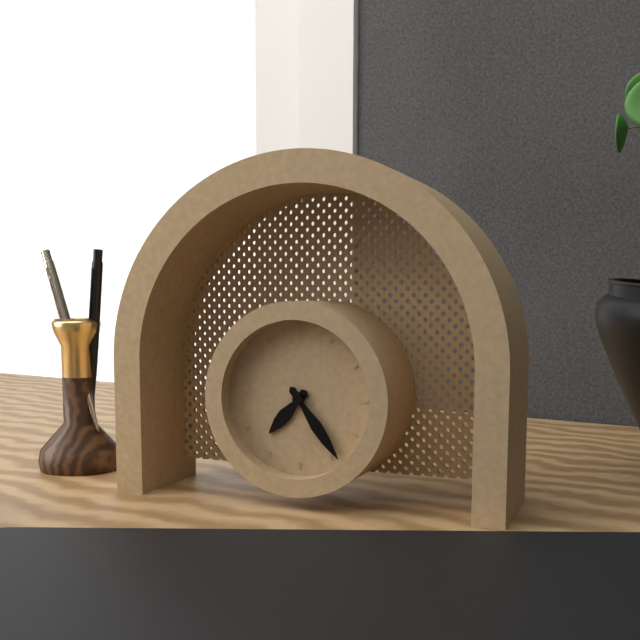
h=7 m=24
